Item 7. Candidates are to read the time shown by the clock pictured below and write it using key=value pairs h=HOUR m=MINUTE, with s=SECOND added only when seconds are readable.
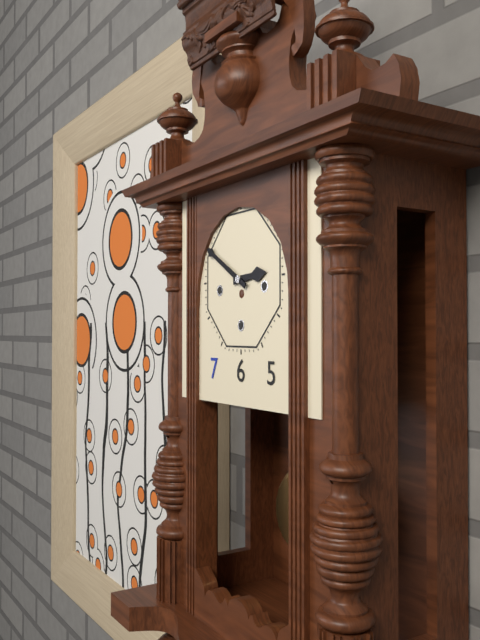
h=2 m=50
